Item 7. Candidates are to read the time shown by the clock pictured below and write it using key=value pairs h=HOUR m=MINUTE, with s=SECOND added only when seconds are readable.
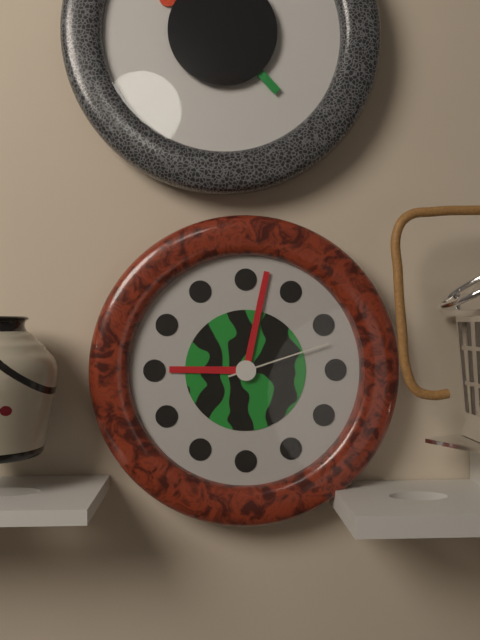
h=9 m=2 s=12
